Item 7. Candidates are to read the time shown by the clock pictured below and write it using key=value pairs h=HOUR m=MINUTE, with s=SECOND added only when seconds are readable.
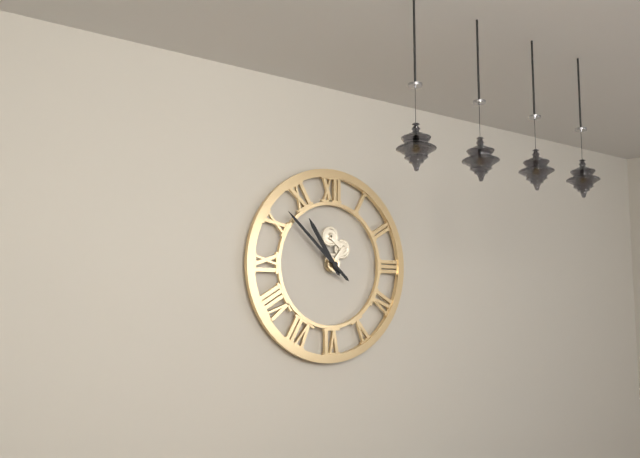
h=10 m=52
